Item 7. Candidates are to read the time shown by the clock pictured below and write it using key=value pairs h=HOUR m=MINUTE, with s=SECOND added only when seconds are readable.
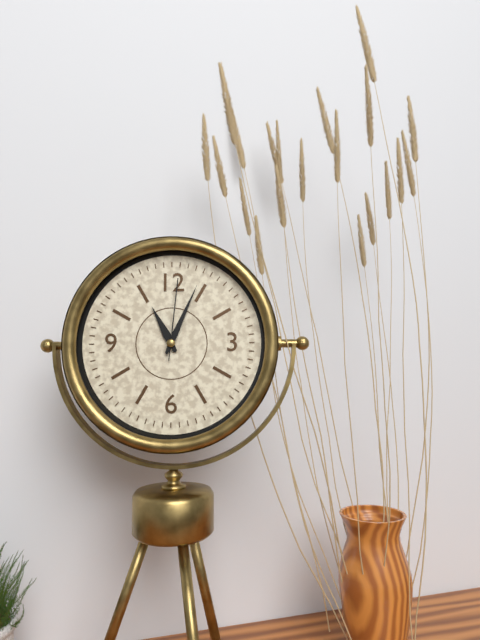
h=11 m=4 s=1
